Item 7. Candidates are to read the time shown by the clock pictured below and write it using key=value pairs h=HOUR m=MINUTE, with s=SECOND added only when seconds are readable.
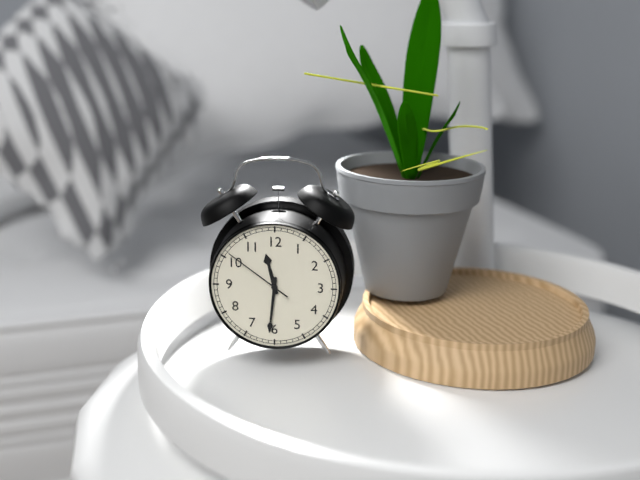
h=11 m=31 s=51
